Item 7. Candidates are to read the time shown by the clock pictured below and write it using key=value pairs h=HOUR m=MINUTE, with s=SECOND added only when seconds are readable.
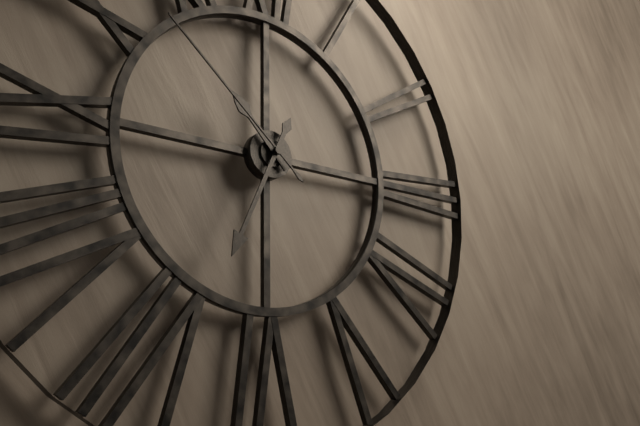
h=10 m=34 s=52
